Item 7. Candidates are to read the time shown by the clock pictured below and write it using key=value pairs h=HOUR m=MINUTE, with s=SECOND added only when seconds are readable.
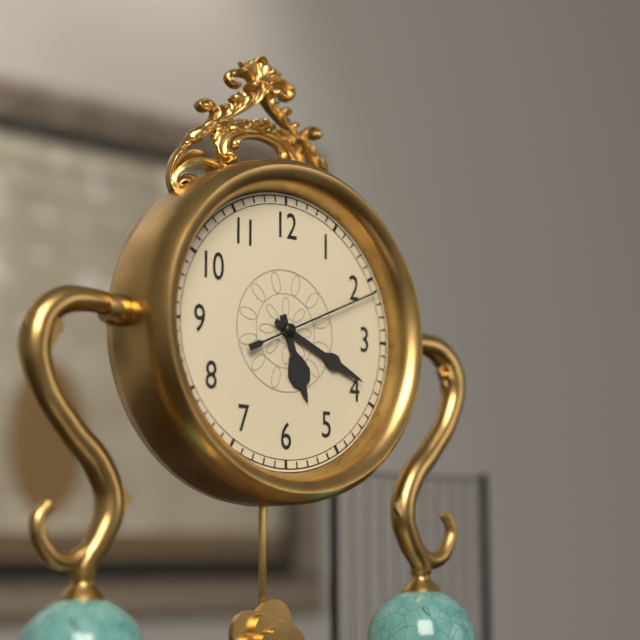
h=5 m=19 s=11
